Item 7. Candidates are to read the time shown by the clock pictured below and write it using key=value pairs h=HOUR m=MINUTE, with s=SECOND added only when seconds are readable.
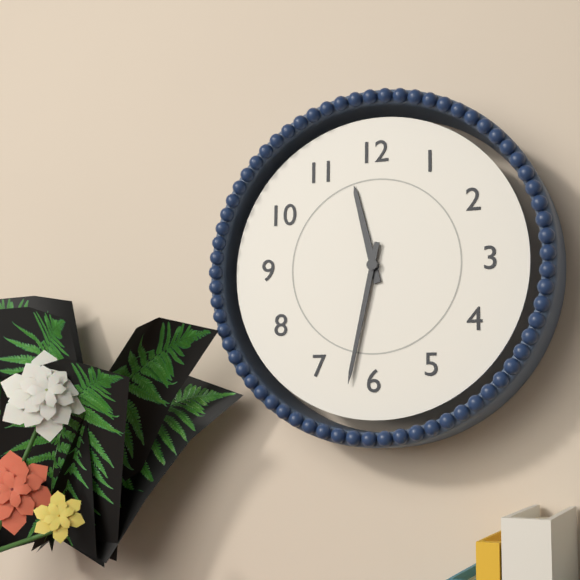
h=11 m=32
